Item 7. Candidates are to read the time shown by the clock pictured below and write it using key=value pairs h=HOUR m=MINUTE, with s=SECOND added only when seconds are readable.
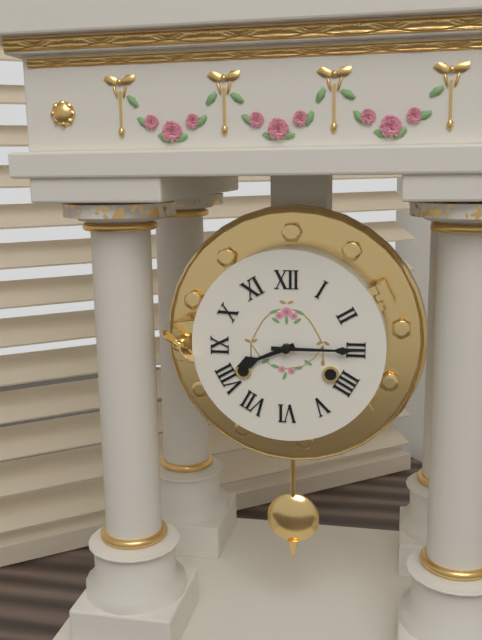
h=8 m=15
